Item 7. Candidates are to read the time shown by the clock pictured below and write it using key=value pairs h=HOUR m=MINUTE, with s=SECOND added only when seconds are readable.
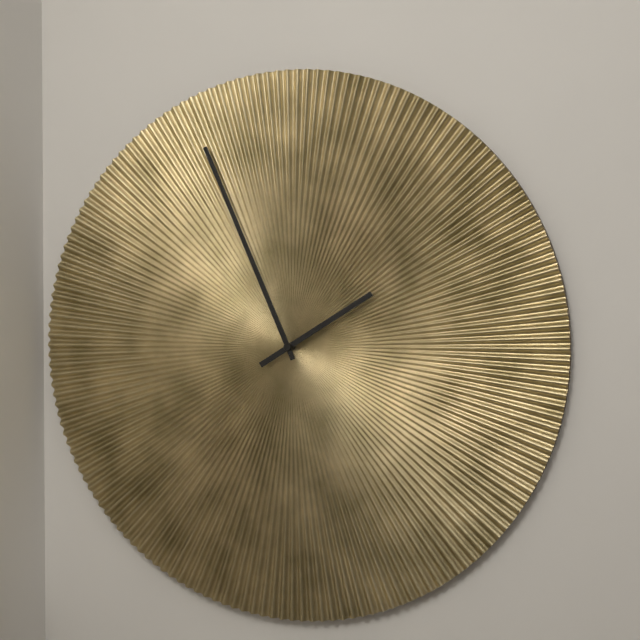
h=1 m=56
